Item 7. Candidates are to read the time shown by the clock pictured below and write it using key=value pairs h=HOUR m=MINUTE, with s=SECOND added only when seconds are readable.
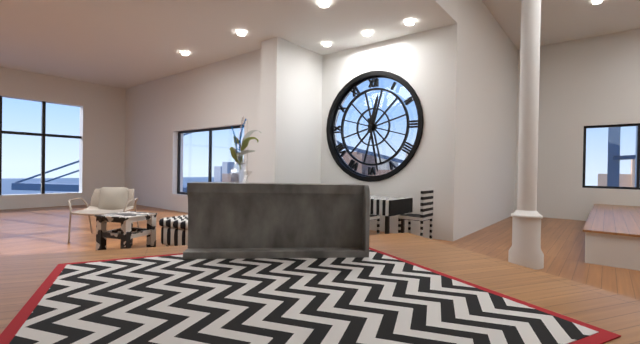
h=12 m=28
